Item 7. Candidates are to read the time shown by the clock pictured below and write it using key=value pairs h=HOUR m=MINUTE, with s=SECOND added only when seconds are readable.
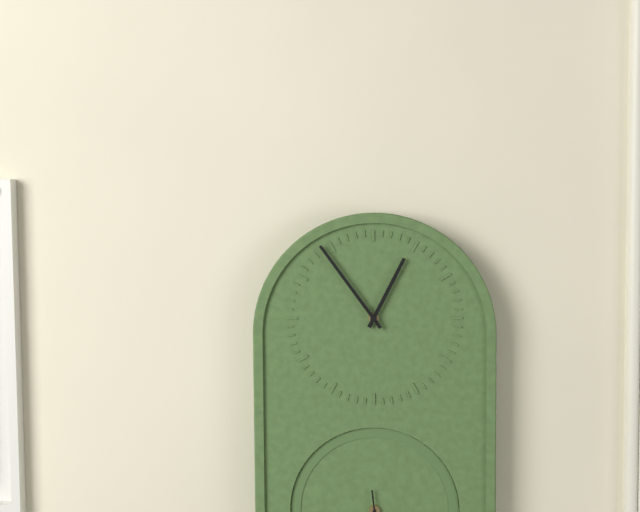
h=12 m=54
